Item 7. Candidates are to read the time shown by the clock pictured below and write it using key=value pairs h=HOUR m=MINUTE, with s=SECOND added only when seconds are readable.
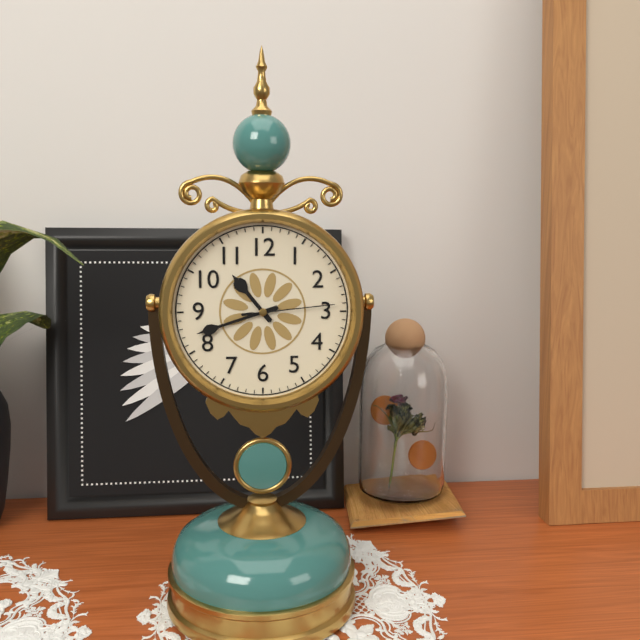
h=10 m=42 s=14
